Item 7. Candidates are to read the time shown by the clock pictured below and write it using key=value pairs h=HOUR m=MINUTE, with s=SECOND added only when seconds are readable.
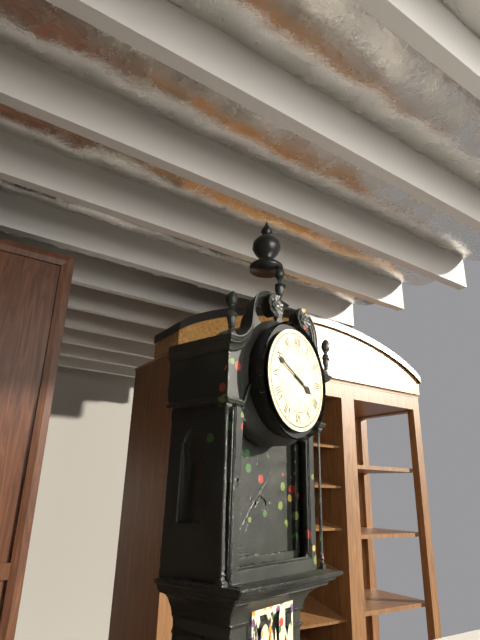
h=3 m=49
